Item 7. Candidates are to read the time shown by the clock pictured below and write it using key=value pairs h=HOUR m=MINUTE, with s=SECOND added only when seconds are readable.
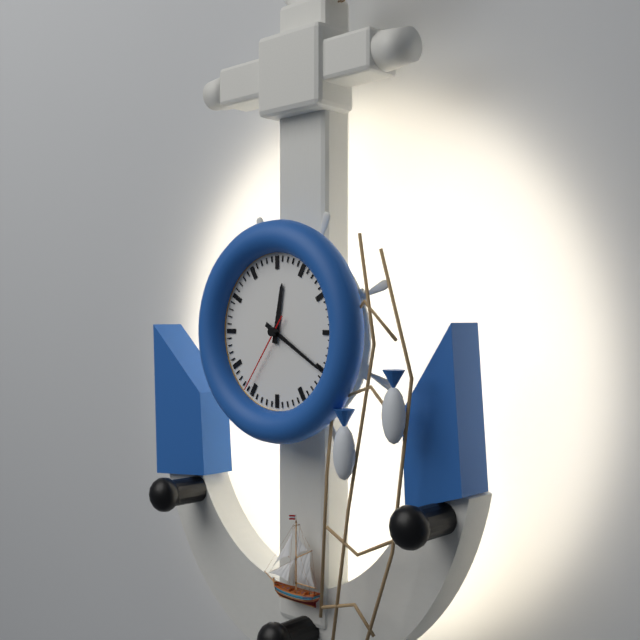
h=12 m=20 s=36
